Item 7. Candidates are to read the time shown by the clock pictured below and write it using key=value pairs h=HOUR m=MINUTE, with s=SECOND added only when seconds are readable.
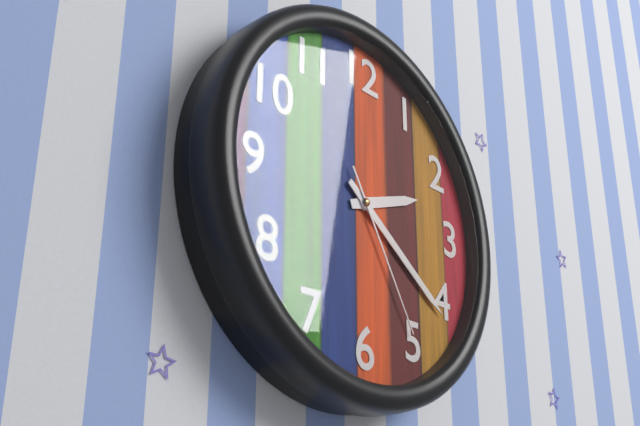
h=2 m=21 s=25
